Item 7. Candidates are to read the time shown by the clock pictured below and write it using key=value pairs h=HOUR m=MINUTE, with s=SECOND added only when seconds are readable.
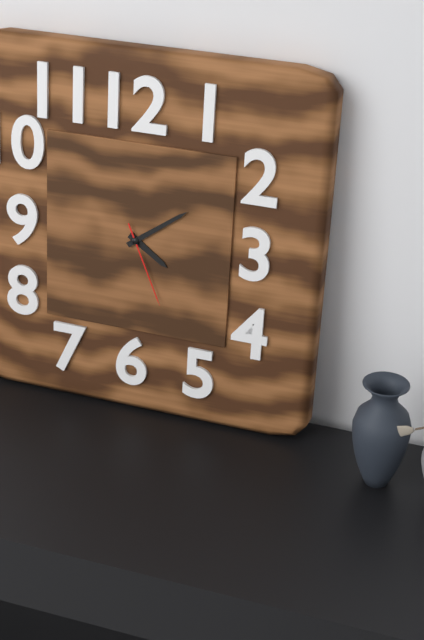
h=4 m=9 s=26
